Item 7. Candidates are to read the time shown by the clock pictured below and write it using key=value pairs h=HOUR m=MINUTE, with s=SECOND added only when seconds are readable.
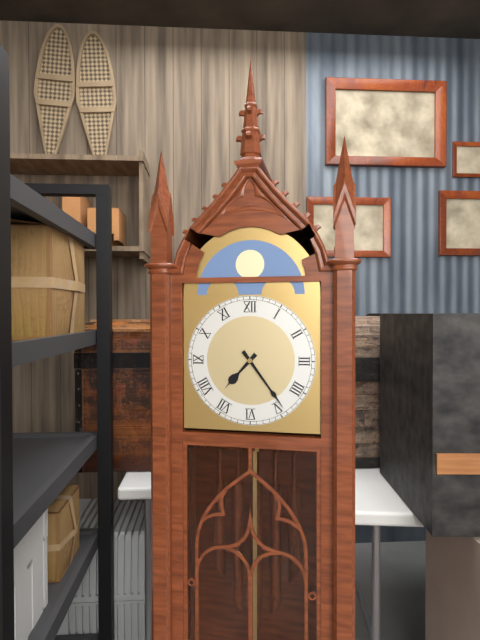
h=7 m=24
